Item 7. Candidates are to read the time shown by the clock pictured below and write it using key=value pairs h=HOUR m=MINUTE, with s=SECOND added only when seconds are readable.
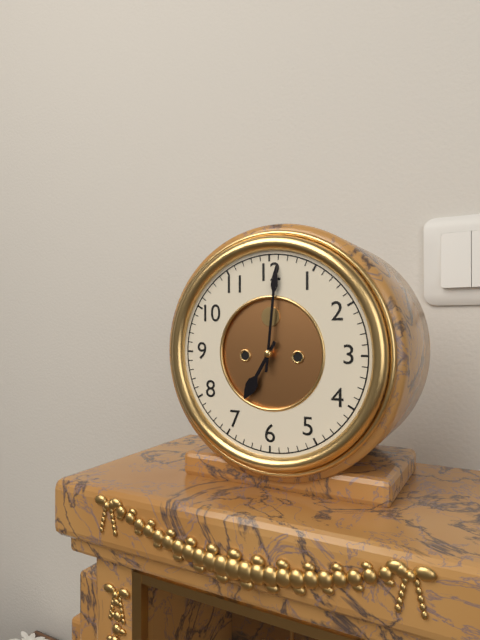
h=7 m=1
